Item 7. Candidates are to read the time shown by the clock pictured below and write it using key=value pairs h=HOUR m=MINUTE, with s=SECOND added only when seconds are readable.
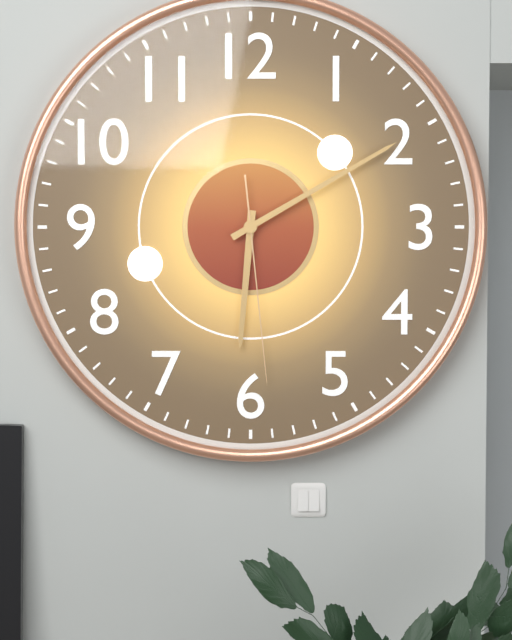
h=6 m=10 s=29
